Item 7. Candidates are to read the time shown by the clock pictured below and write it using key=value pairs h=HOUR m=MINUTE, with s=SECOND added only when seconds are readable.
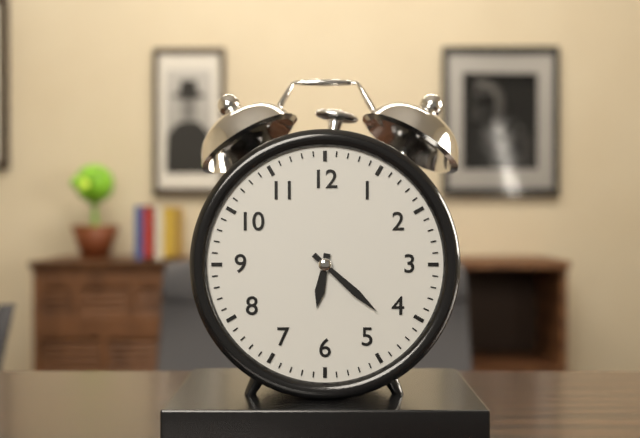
h=6 m=22
